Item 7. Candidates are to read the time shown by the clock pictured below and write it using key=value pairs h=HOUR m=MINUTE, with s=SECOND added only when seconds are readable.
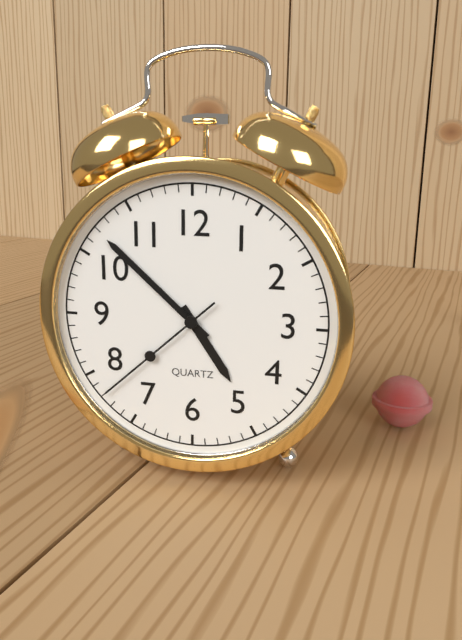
h=4 m=52 s=38
